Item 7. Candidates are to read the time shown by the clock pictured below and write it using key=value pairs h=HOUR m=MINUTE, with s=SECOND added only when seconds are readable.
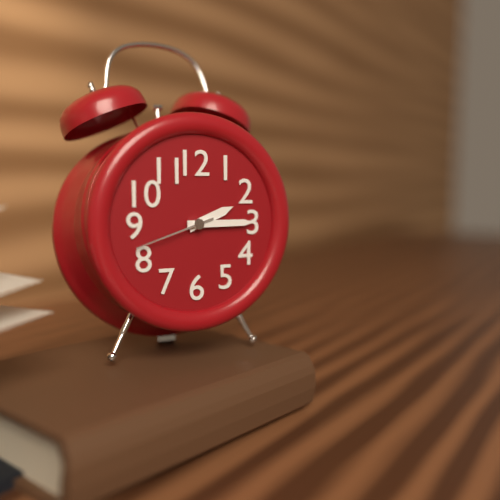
h=2 m=15 s=42
